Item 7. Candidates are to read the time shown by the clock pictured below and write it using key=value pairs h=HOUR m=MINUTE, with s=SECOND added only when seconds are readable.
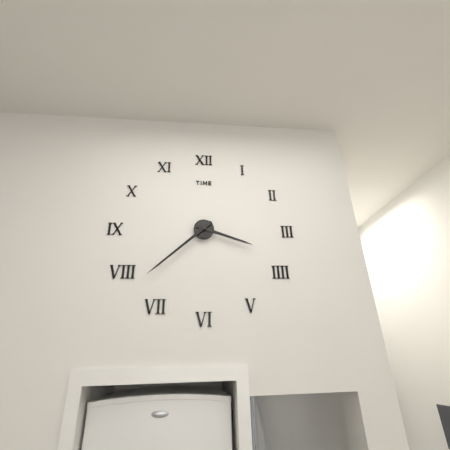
h=3 m=38
